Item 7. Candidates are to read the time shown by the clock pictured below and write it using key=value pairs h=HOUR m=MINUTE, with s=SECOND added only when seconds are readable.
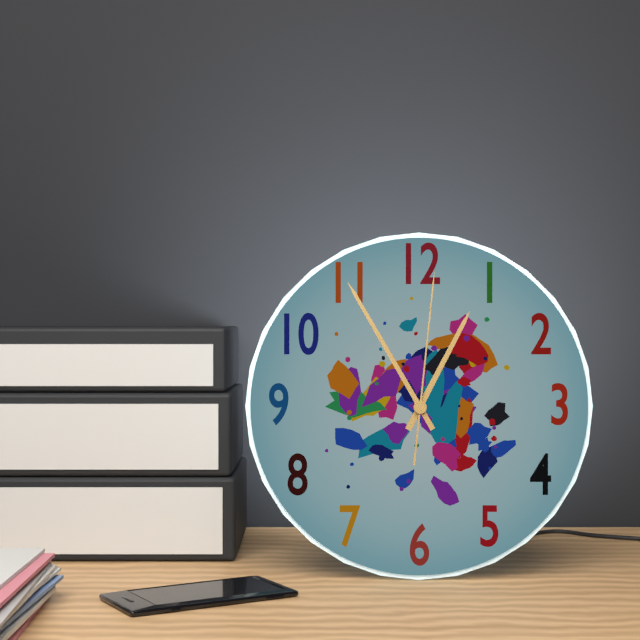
h=12 m=55 s=1
